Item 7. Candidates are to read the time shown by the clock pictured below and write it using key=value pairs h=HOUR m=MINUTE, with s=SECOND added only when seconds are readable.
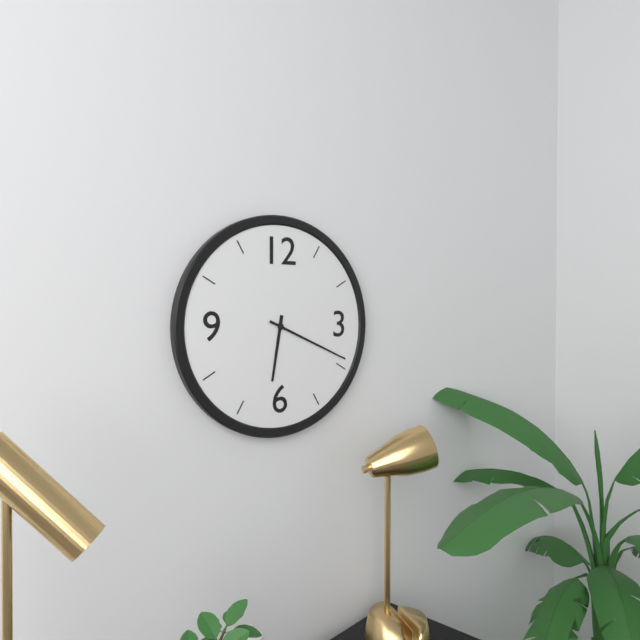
h=6 m=19
